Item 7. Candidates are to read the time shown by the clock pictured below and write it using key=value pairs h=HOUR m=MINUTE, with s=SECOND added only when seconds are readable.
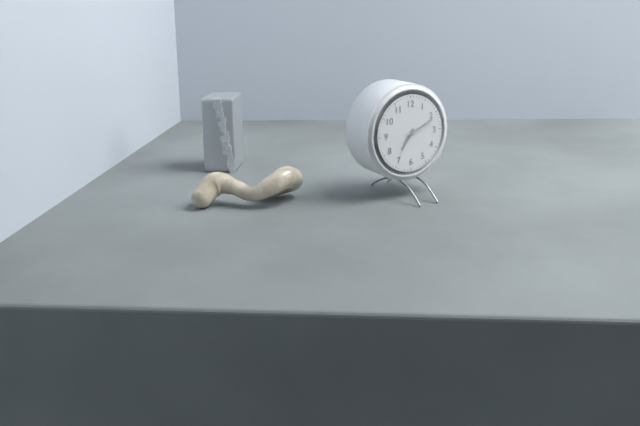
h=7 m=11
